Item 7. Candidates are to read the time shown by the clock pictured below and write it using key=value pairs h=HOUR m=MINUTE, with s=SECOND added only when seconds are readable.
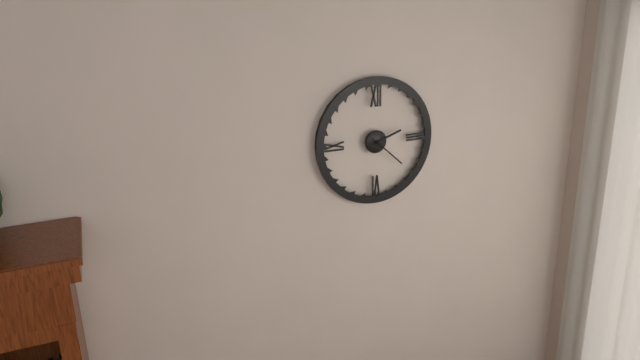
h=2 m=22
